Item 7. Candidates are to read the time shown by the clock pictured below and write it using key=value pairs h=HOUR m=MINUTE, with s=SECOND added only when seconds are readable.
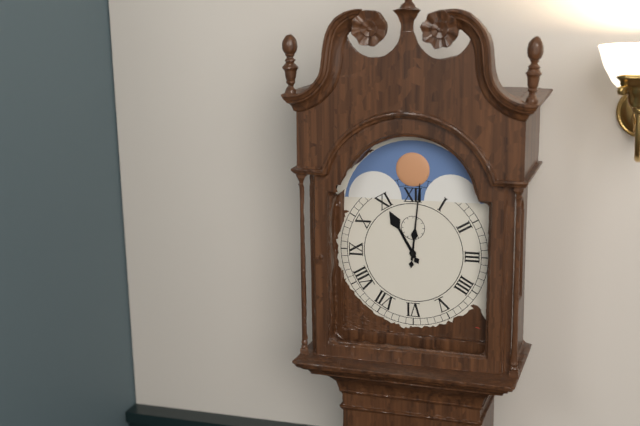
h=11 m=1
